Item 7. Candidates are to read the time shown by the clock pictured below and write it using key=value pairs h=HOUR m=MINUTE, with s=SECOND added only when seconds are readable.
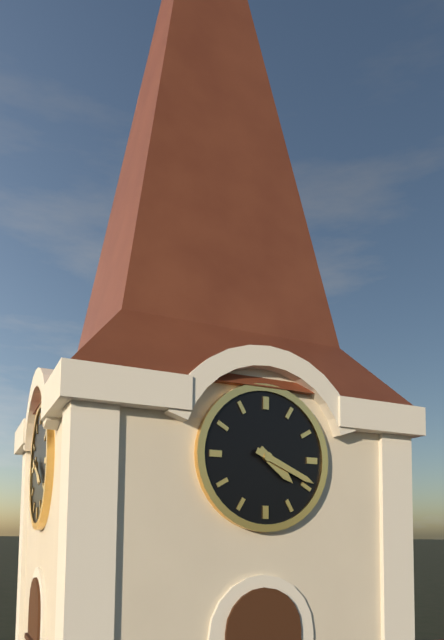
h=4 m=19
